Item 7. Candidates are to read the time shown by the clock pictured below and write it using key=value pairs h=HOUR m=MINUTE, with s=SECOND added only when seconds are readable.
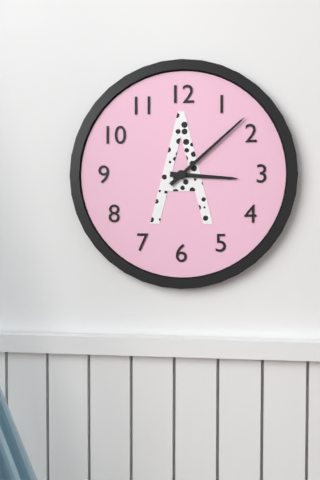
h=3 m=8
